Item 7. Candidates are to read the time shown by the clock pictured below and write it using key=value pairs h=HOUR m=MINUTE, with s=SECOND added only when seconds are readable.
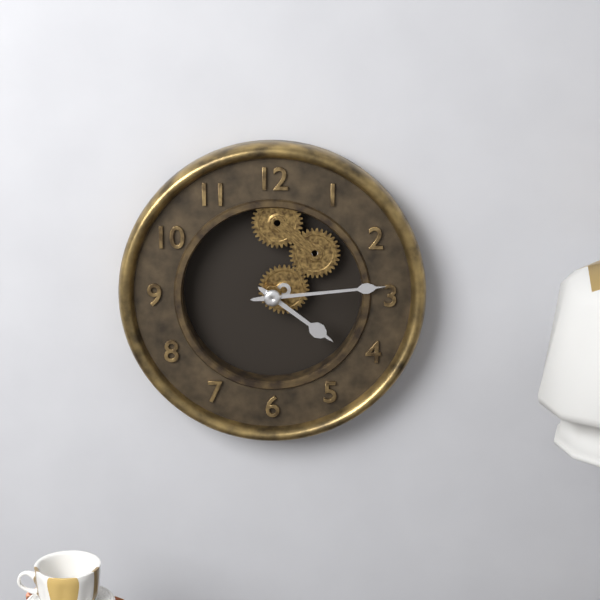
h=4 m=14
